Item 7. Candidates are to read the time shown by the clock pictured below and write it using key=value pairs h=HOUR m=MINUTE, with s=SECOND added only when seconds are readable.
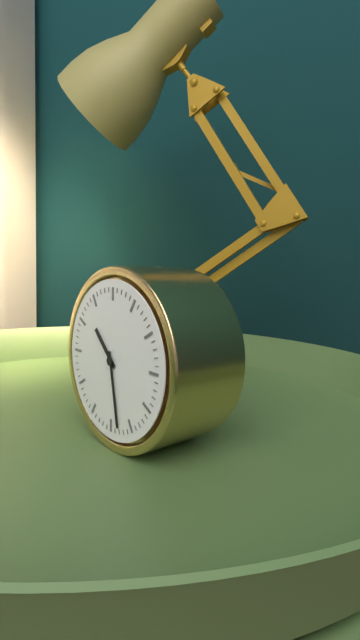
h=10 m=28
